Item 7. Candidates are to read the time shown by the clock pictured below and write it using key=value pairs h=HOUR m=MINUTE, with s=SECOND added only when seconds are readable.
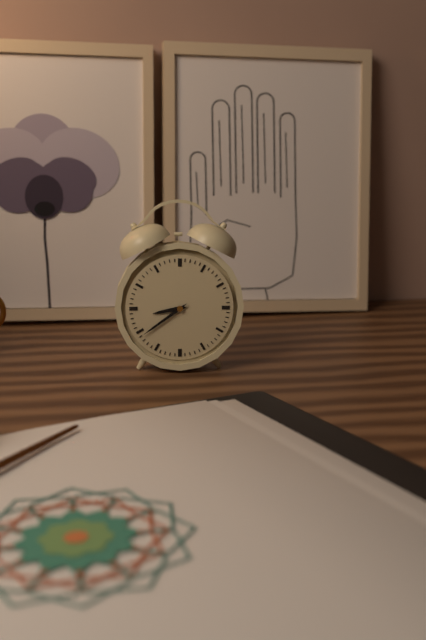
h=8 m=39
